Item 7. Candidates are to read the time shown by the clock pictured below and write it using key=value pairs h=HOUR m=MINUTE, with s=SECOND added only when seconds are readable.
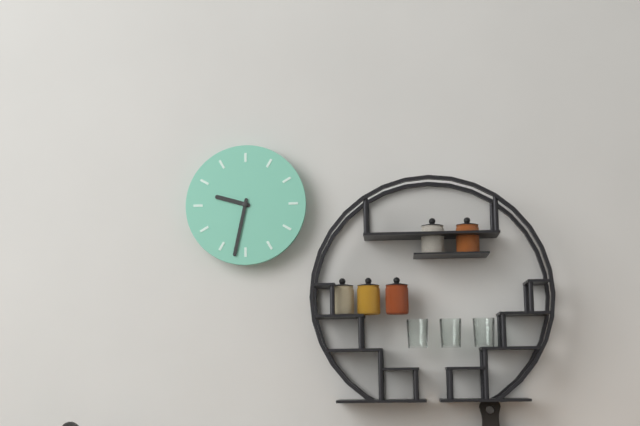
h=9 m=32
